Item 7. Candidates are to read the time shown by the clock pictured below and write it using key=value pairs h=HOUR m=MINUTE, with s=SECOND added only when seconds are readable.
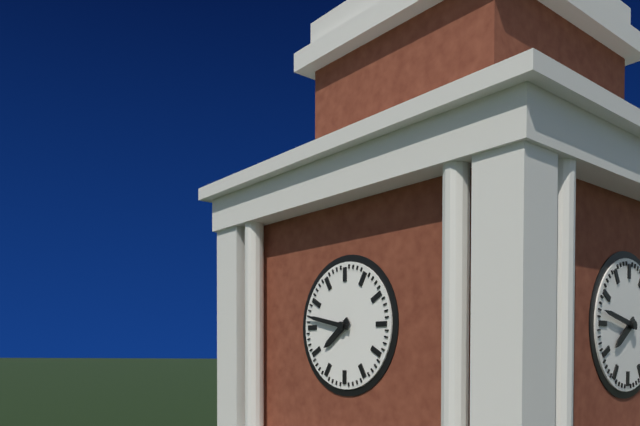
h=7 m=47
